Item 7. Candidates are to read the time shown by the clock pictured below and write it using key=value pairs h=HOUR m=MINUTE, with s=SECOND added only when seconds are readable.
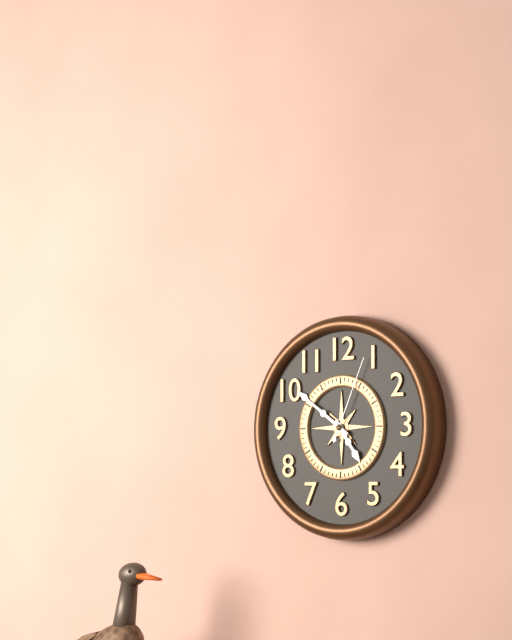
h=4 m=51 s=4
